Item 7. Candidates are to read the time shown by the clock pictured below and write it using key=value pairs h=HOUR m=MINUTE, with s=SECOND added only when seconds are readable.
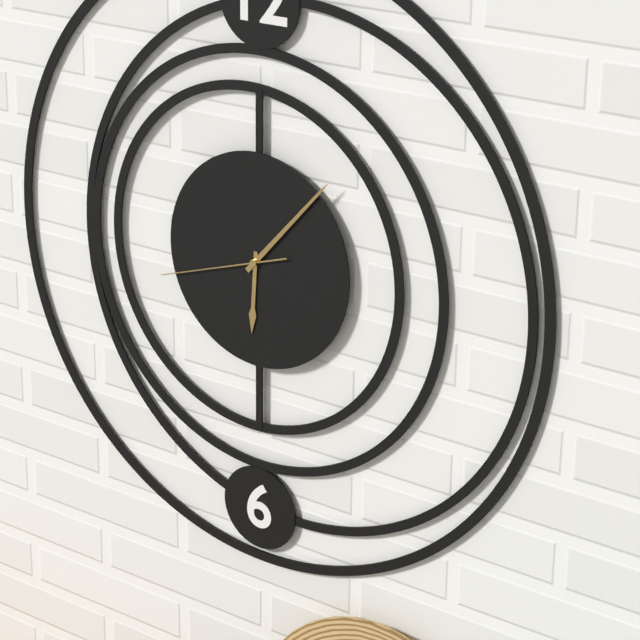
h=6 m=7 s=42
